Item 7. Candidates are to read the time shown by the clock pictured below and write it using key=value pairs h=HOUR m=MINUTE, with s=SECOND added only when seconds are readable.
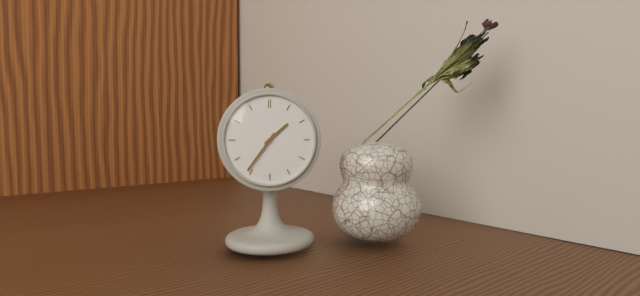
h=1 m=36
